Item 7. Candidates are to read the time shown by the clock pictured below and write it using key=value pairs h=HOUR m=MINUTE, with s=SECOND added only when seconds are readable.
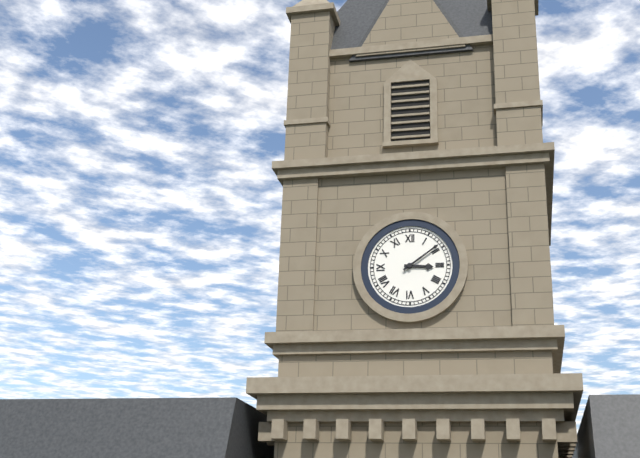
h=3 m=9
